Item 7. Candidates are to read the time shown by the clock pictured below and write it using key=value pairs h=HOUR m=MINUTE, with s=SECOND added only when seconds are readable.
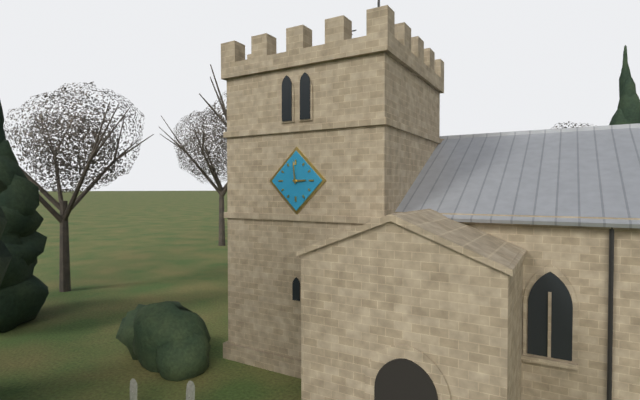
h=2 m=59
